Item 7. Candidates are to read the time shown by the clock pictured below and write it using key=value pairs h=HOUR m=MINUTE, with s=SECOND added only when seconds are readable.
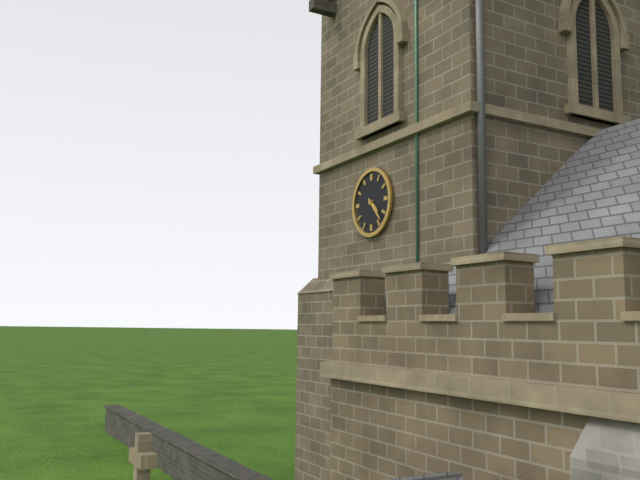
h=4 m=23
